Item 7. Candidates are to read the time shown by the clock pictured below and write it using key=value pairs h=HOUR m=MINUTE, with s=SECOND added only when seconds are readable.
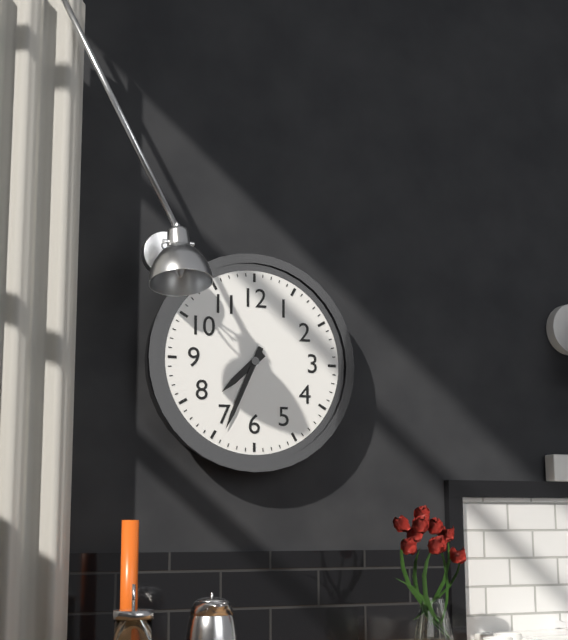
h=7 m=34
